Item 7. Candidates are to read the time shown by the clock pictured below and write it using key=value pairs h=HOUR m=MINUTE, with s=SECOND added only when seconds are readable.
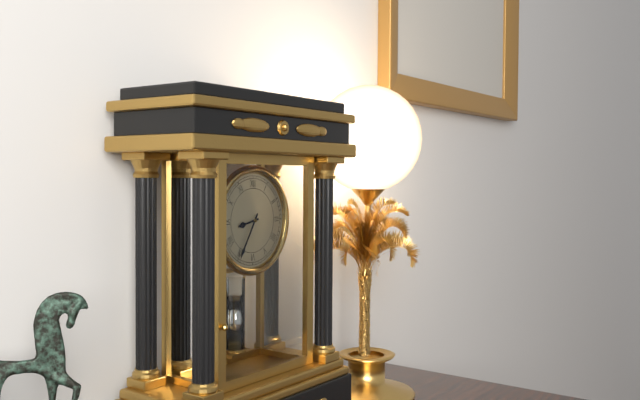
h=8 m=35
